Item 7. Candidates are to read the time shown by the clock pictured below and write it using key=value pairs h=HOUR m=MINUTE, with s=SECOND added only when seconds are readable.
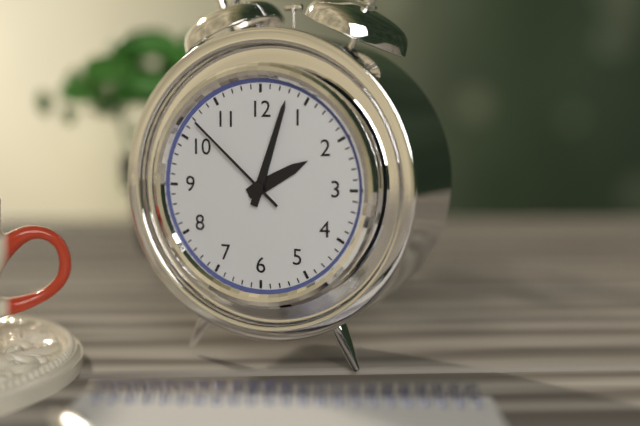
h=2 m=3 s=52
